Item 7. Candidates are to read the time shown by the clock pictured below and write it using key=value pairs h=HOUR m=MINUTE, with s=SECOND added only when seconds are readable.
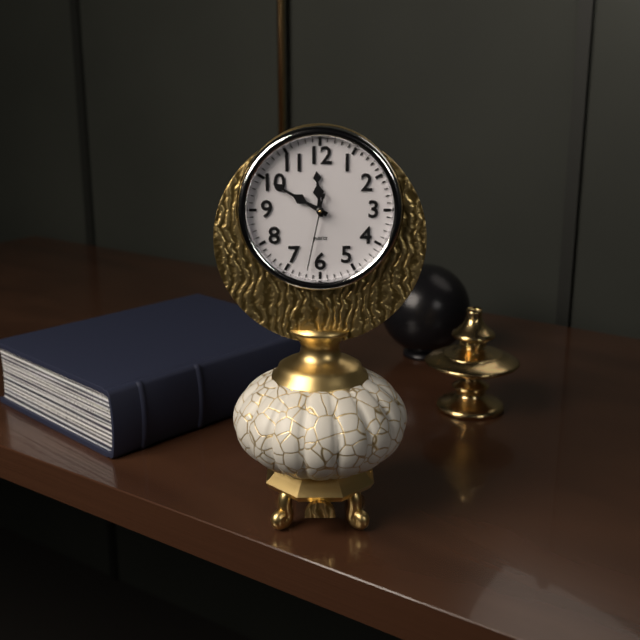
h=11 m=50 s=32
